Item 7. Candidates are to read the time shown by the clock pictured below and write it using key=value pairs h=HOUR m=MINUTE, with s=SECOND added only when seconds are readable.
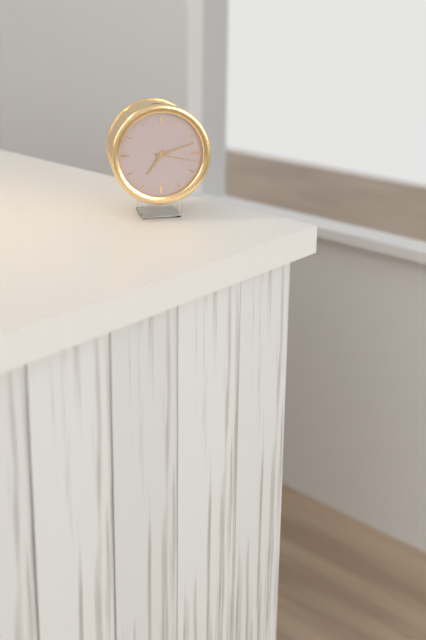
h=7 m=12
